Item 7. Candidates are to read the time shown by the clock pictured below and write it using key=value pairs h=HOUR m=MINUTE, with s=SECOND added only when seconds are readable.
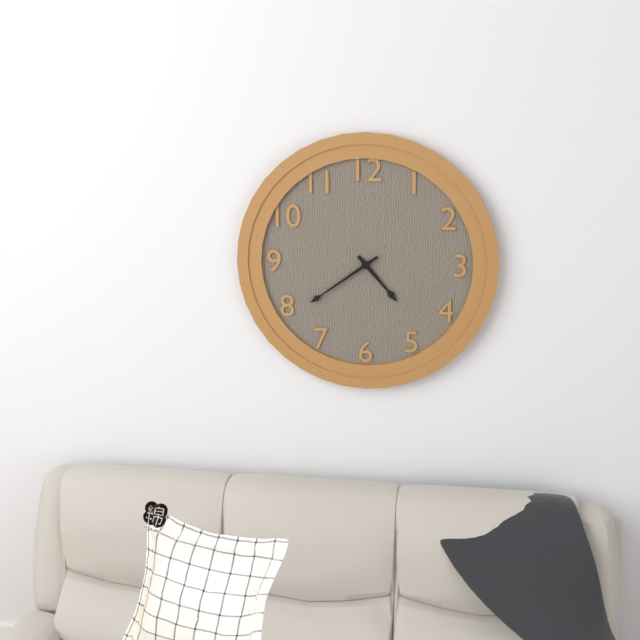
h=4 m=39
